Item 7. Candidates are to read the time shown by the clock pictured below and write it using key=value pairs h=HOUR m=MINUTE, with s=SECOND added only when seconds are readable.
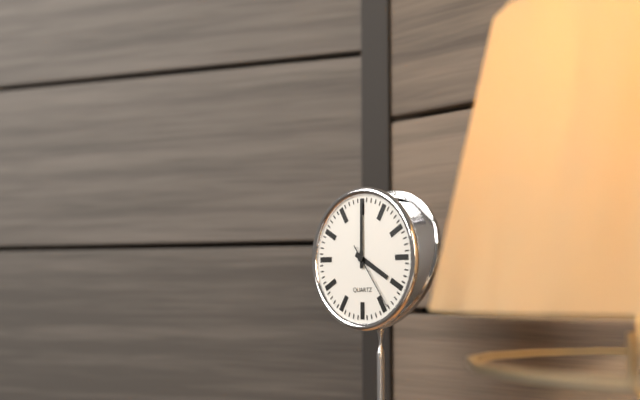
h=4 m=0 s=24
